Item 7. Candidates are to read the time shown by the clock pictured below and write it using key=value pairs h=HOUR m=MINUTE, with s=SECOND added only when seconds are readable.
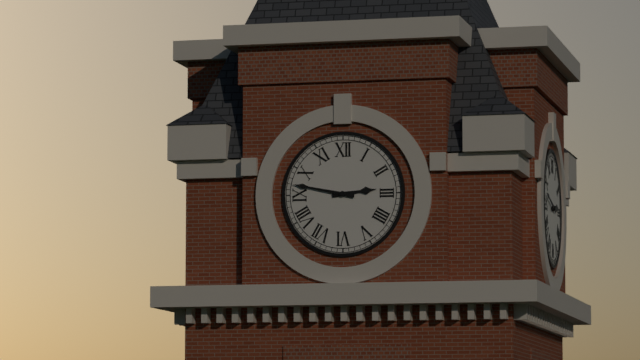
h=2 m=47
